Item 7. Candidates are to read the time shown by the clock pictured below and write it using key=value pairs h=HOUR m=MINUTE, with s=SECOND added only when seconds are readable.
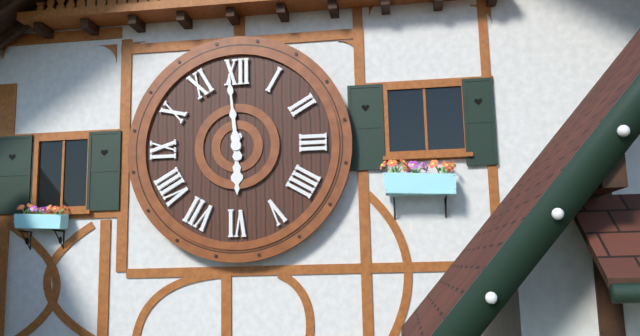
h=5 m=59
